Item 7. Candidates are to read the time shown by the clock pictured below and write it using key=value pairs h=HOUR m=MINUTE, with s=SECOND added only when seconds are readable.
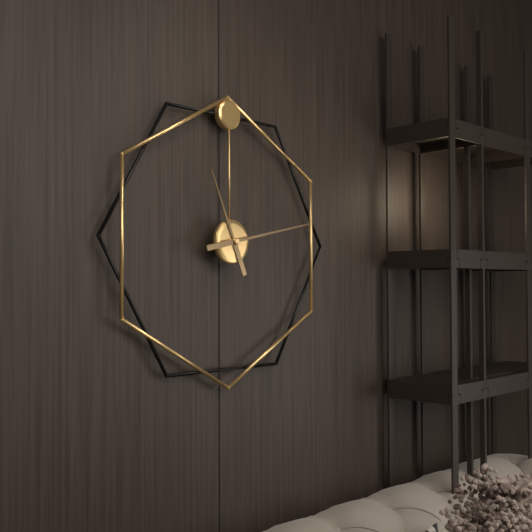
h=11 m=13
